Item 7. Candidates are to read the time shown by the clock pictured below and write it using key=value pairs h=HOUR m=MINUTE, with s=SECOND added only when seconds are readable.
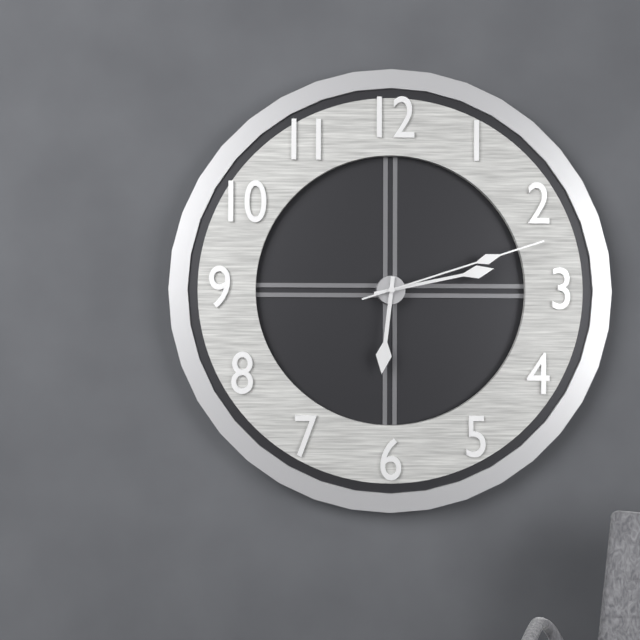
h=6 m=13 s=12
